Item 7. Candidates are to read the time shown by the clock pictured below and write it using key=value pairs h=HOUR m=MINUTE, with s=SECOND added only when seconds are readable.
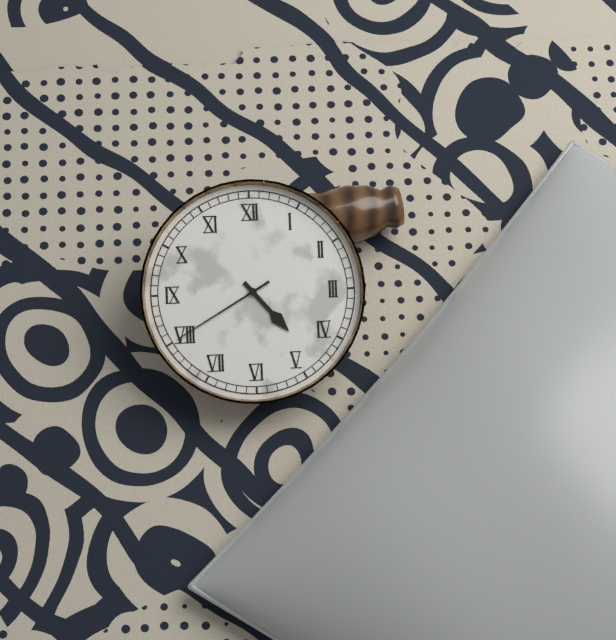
h=4 m=40
